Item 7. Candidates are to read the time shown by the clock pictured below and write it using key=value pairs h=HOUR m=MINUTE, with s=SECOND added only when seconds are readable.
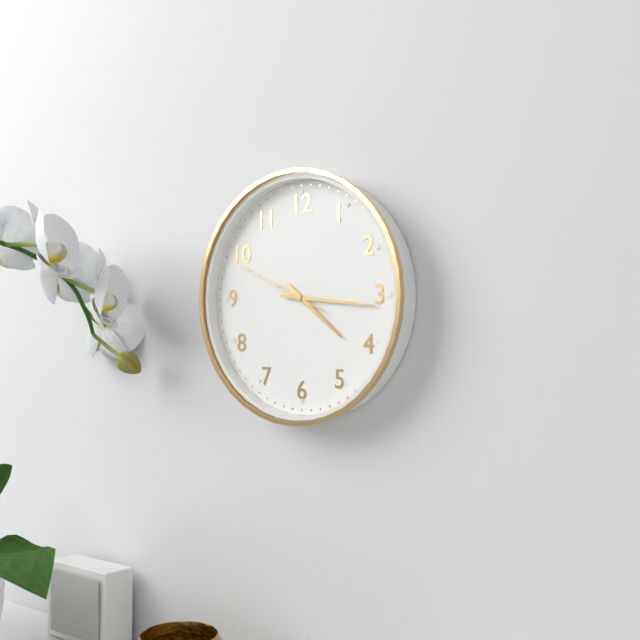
h=4 m=16 s=49
